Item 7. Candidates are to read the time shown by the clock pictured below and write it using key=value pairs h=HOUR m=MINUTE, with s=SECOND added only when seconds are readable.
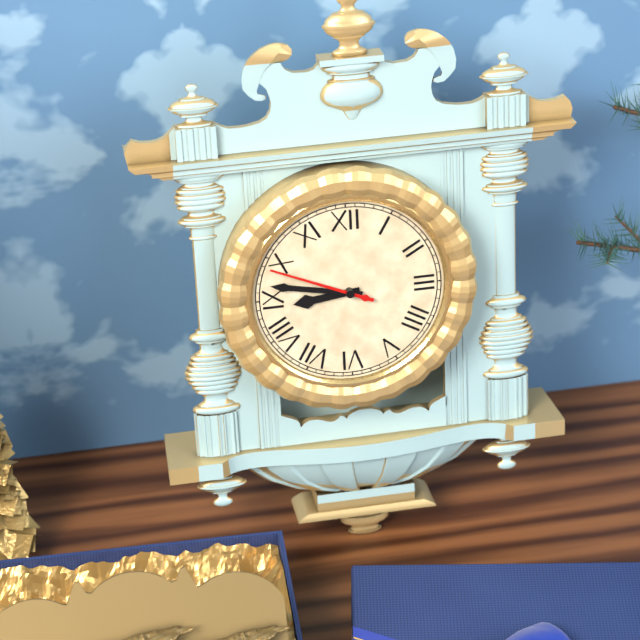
h=8 m=47 s=49
